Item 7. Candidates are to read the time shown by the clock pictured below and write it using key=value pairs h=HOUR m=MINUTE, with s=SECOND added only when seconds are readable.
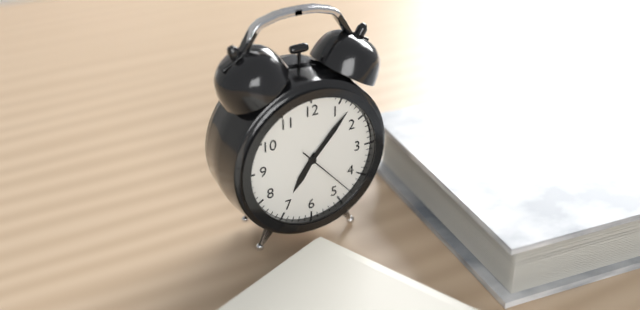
h=7 m=7 s=23
